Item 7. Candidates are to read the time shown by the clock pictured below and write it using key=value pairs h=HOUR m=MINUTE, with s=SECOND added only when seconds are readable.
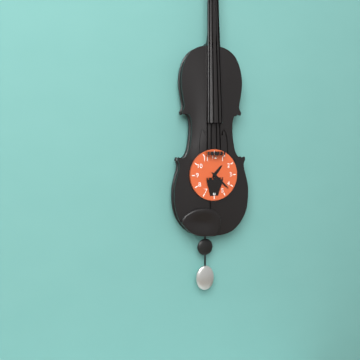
h=1 m=22
